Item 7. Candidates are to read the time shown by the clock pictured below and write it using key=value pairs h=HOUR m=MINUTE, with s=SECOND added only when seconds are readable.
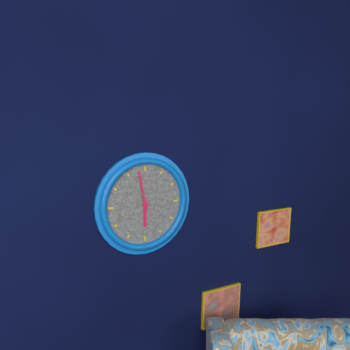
h=5 m=58
